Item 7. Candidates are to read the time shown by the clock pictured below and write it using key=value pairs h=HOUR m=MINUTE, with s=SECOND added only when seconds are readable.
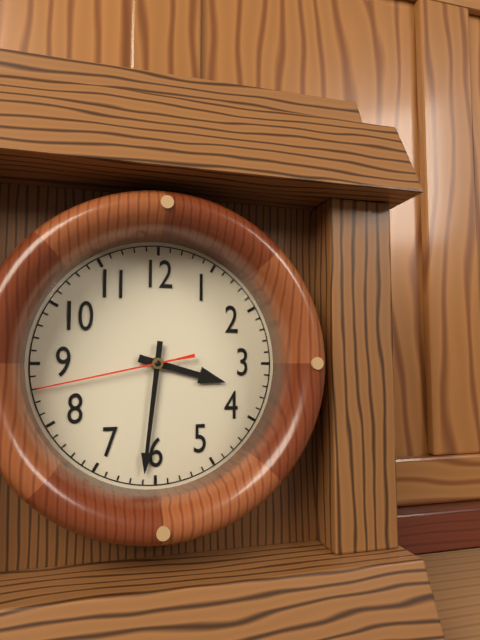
h=3 m=31 s=43
